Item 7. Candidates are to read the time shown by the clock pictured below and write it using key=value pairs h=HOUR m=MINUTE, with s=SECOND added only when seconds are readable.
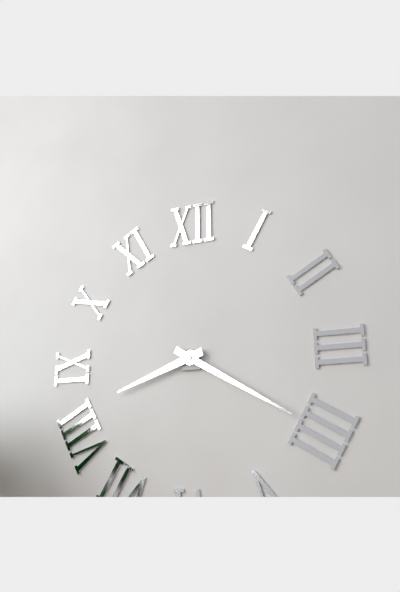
h=8 m=20
